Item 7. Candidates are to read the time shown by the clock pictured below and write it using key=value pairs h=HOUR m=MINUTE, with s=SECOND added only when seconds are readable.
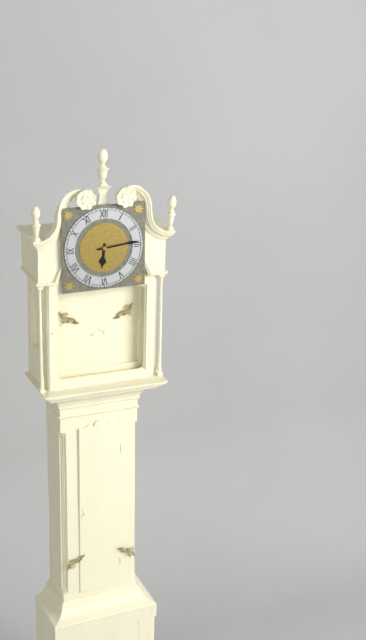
h=6 m=14
